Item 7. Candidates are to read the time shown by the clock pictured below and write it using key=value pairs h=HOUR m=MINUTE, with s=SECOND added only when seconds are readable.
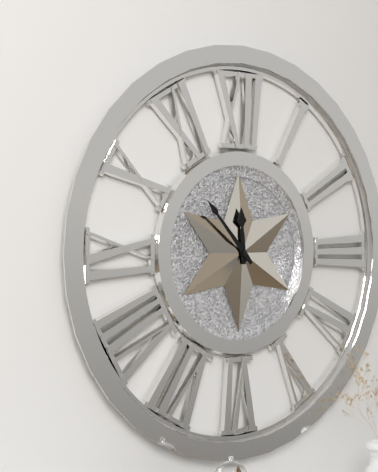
h=11 m=53
